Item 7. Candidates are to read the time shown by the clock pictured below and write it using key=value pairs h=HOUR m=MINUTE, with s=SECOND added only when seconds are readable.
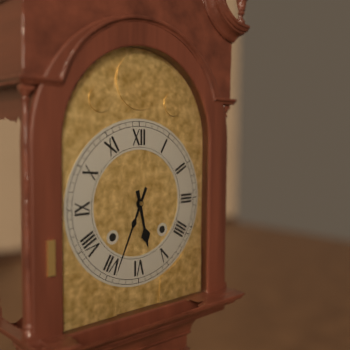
h=5 m=34
